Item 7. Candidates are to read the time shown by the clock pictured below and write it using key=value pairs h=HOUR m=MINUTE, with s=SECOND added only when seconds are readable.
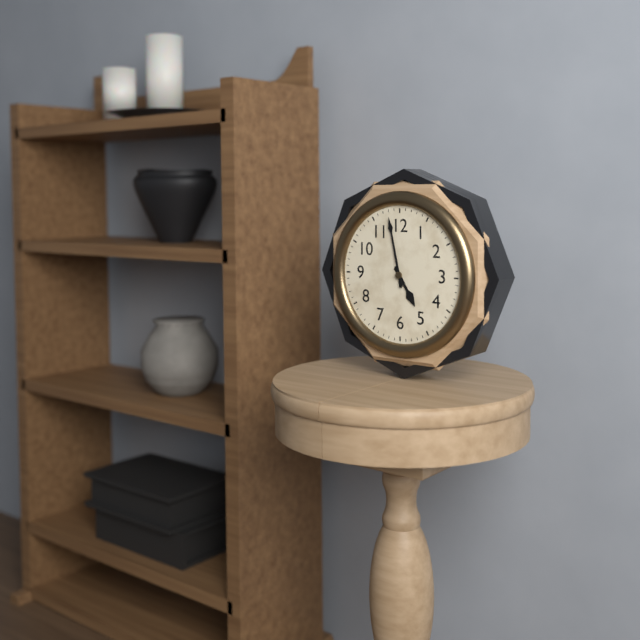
h=4 m=58
